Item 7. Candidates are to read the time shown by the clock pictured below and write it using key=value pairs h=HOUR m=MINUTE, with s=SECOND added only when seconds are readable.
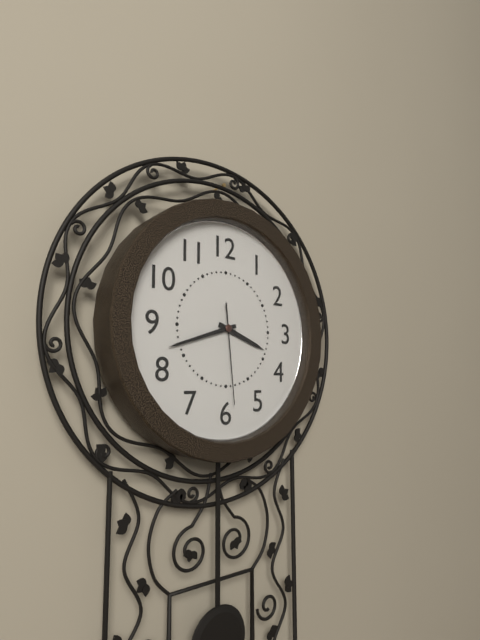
h=3 m=42 s=29
